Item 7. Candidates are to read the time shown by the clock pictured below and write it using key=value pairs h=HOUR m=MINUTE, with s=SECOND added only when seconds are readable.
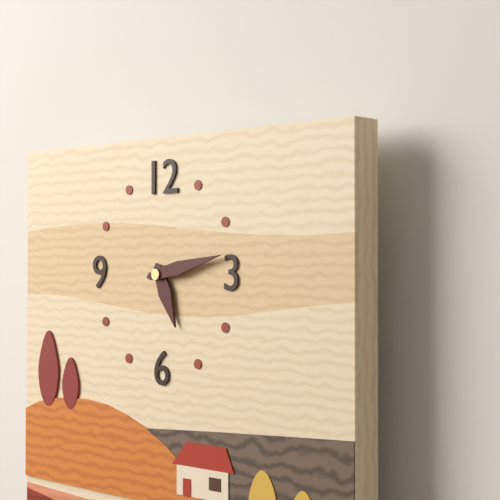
h=5 m=13
